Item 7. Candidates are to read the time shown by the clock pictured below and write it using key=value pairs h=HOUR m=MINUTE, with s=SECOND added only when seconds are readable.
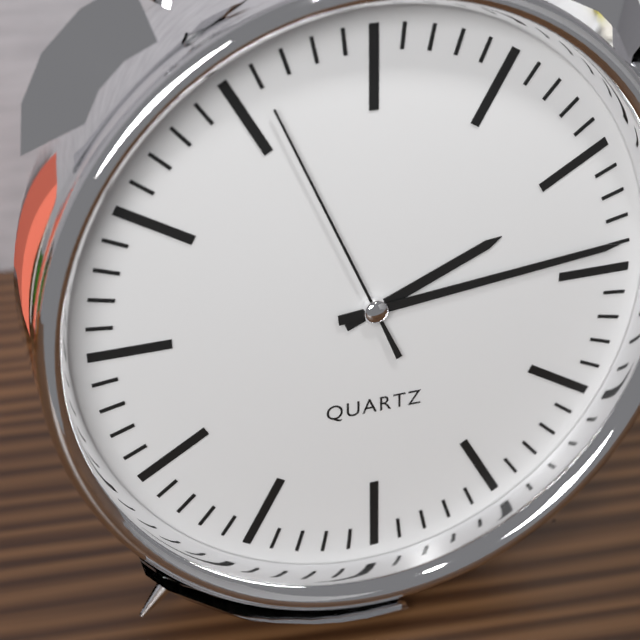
h=2 m=14 s=56
